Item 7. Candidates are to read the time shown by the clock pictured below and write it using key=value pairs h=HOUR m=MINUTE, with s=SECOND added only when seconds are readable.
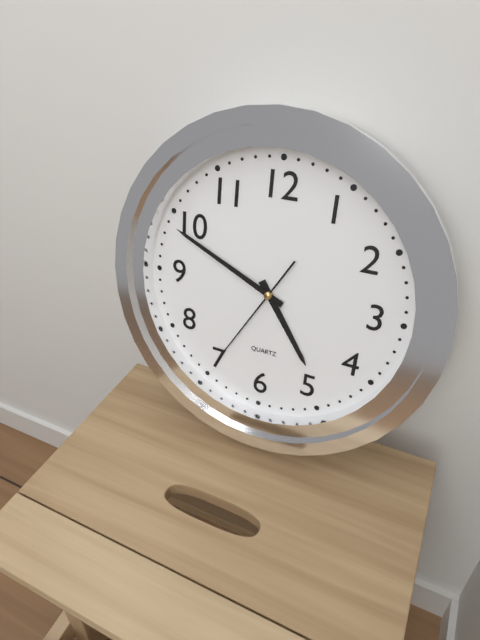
h=4 m=49 s=35
